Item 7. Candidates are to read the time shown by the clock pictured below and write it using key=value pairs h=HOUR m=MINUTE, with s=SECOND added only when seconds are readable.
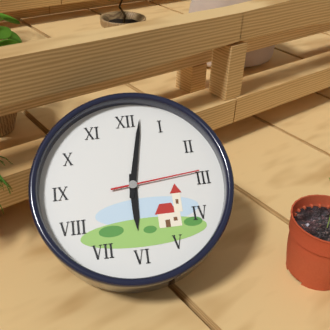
h=6 m=2 s=14
